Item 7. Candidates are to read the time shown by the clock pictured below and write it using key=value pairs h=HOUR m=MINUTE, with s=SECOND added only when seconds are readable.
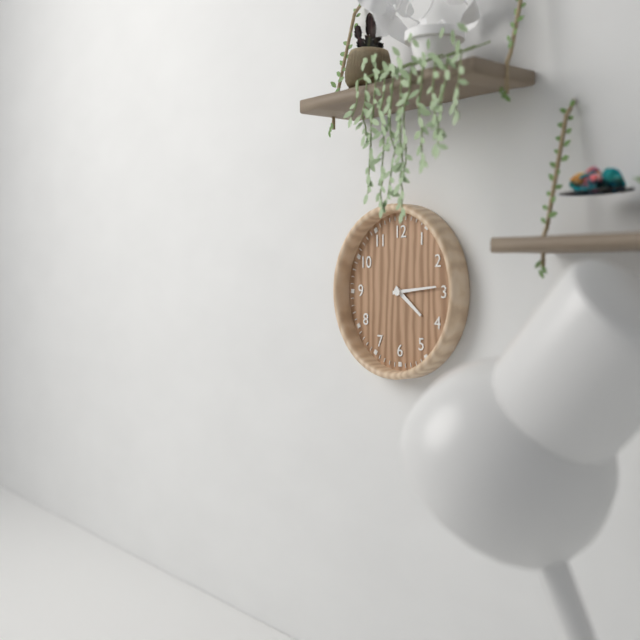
h=4 m=14
